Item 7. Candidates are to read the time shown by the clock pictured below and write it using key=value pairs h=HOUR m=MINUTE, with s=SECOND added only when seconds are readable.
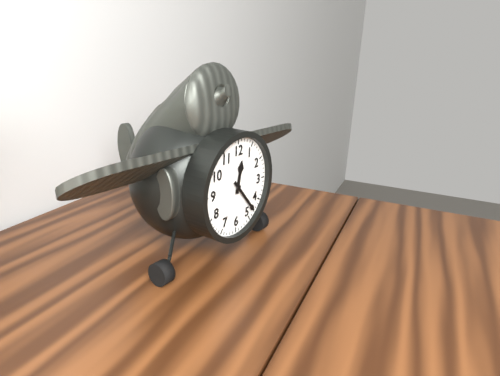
h=12 m=23
